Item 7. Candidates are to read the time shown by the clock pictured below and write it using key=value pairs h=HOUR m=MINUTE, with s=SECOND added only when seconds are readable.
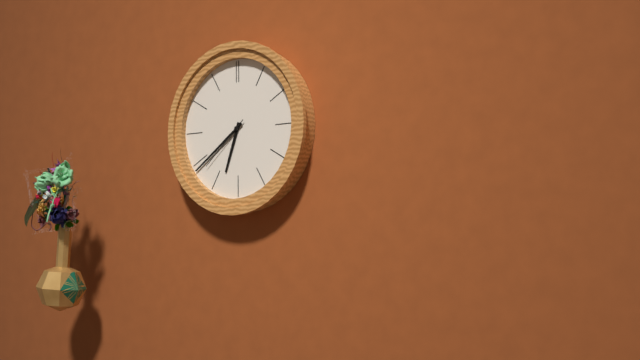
h=6 m=39 s=38
